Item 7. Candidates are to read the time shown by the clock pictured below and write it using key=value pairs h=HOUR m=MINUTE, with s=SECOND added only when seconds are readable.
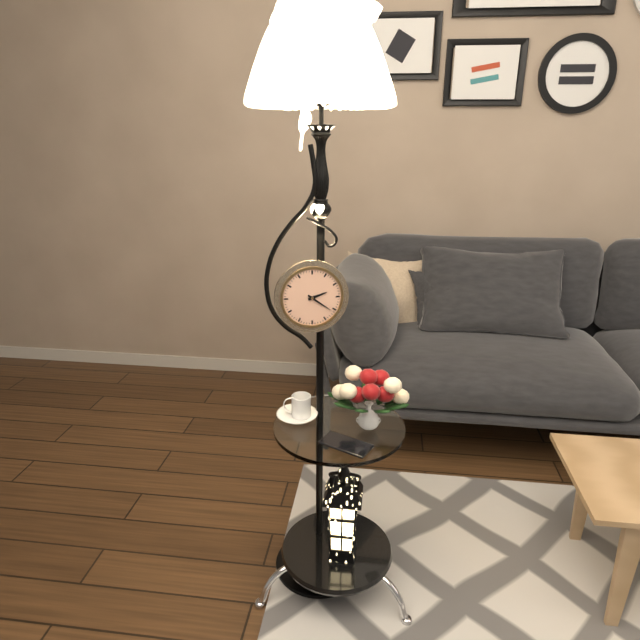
h=2 m=21
